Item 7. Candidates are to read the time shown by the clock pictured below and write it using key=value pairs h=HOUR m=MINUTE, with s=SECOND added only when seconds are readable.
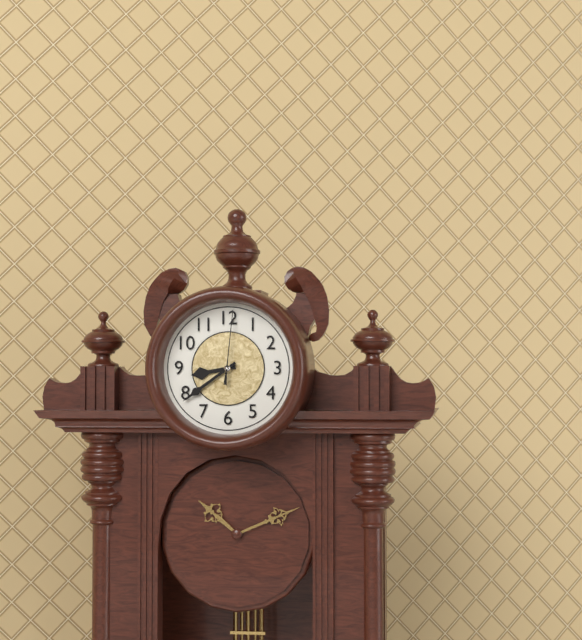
h=8 m=39 s=1
